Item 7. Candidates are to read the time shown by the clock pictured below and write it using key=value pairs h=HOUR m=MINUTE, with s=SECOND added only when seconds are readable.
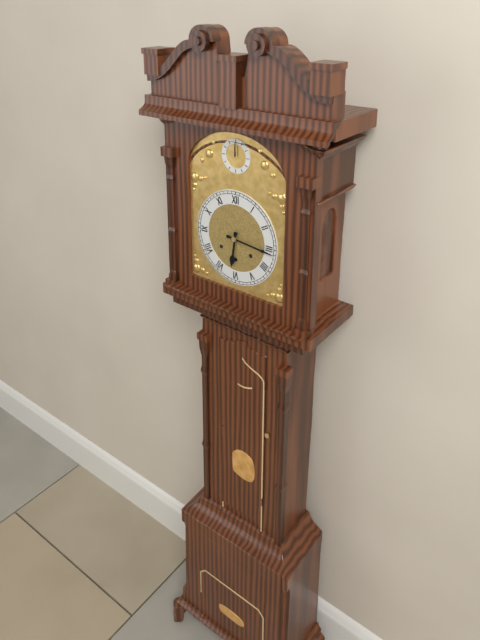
h=6 m=16
